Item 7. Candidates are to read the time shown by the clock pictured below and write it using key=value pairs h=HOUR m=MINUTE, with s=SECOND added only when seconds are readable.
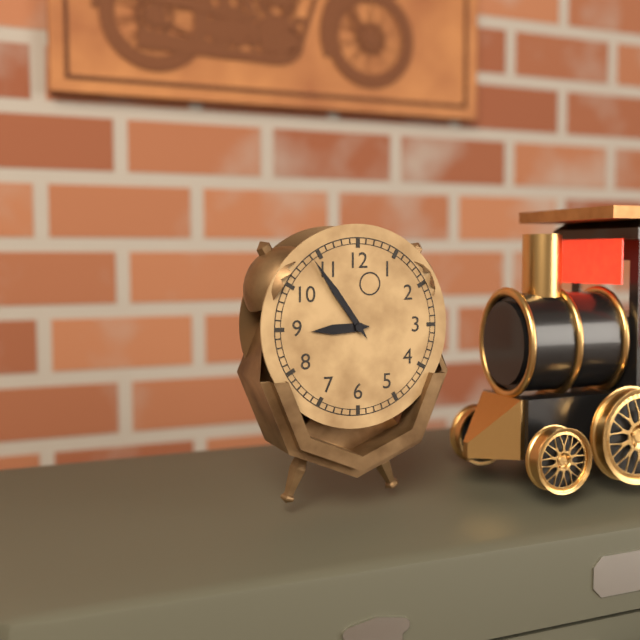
h=8 m=54
